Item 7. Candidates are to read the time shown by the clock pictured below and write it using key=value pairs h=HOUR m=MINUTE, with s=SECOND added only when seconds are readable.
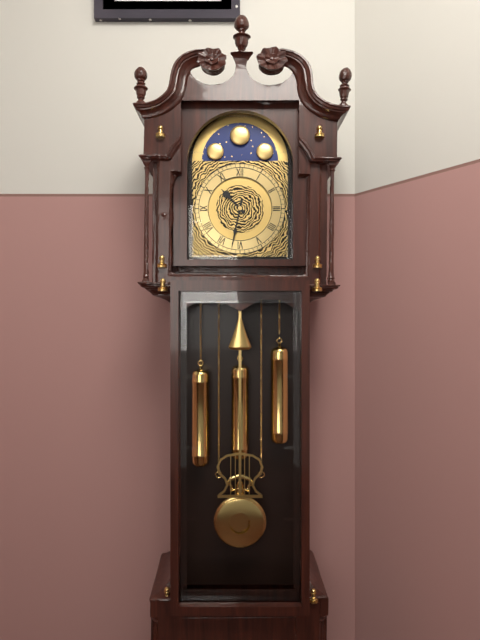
h=10 m=32
